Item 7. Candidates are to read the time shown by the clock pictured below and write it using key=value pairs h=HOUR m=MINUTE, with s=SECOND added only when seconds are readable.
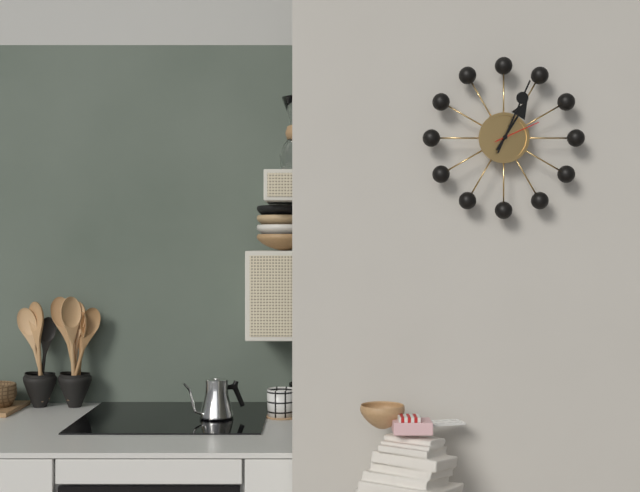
h=1 m=4
